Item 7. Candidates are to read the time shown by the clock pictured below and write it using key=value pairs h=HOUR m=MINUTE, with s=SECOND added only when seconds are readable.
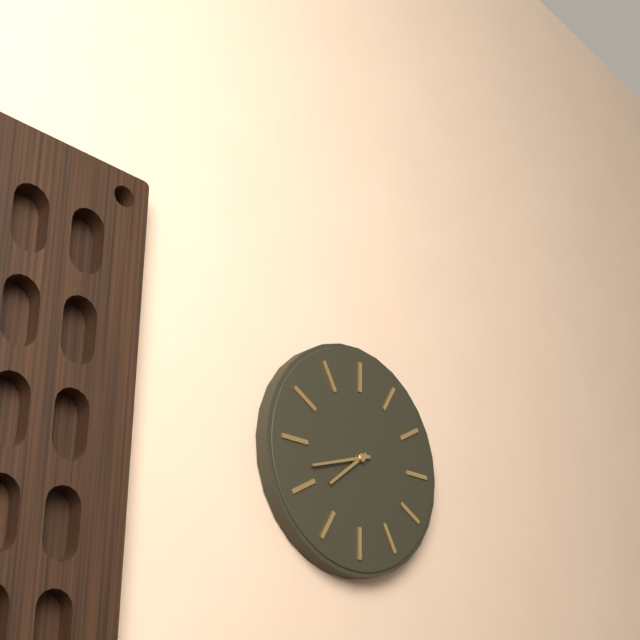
h=7 m=42
